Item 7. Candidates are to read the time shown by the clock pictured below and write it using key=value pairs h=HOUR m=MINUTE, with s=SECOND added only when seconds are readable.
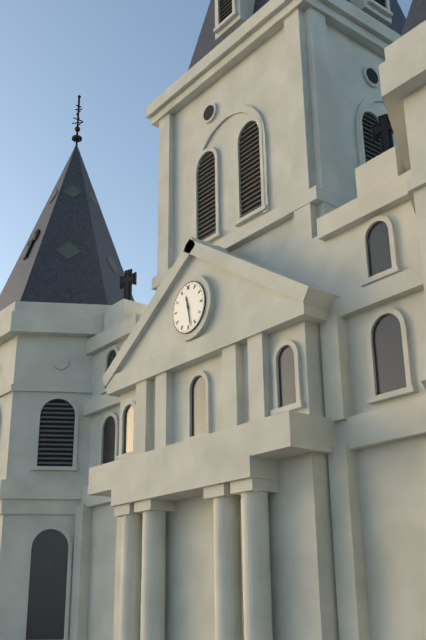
h=11 m=28
